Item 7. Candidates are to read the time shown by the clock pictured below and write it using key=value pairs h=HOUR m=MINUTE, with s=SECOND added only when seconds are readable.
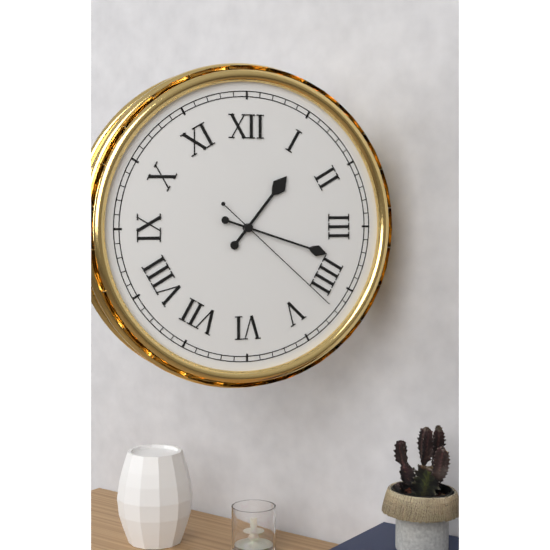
h=1 m=18 s=22
